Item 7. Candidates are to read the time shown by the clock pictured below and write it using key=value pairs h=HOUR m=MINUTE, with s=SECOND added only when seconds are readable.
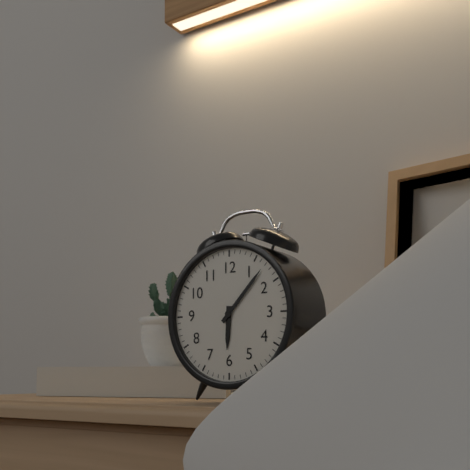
h=6 m=7
